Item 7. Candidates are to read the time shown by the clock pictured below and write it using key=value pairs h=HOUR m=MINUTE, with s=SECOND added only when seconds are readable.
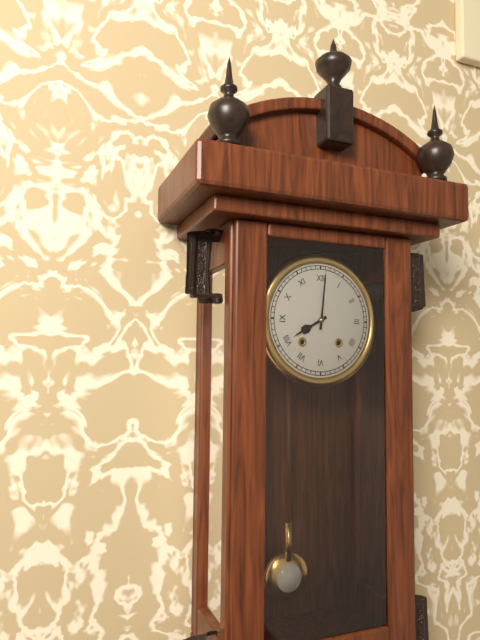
h=8 m=1
